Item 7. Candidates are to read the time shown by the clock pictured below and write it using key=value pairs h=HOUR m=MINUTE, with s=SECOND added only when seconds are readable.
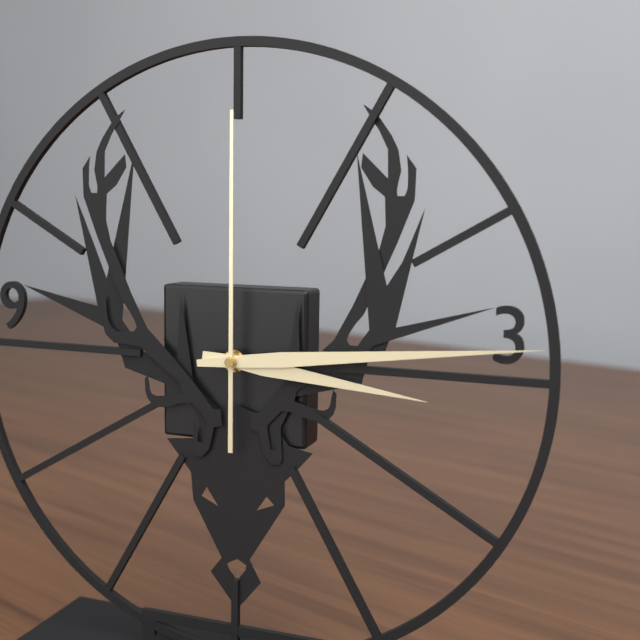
h=3 m=14 s=0
